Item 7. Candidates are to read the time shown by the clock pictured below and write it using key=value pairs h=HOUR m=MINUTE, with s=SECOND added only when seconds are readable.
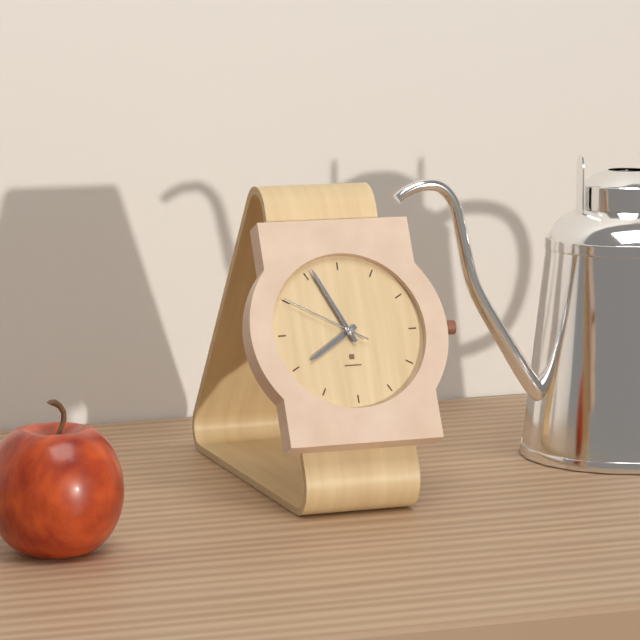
h=7 m=56 s=50
